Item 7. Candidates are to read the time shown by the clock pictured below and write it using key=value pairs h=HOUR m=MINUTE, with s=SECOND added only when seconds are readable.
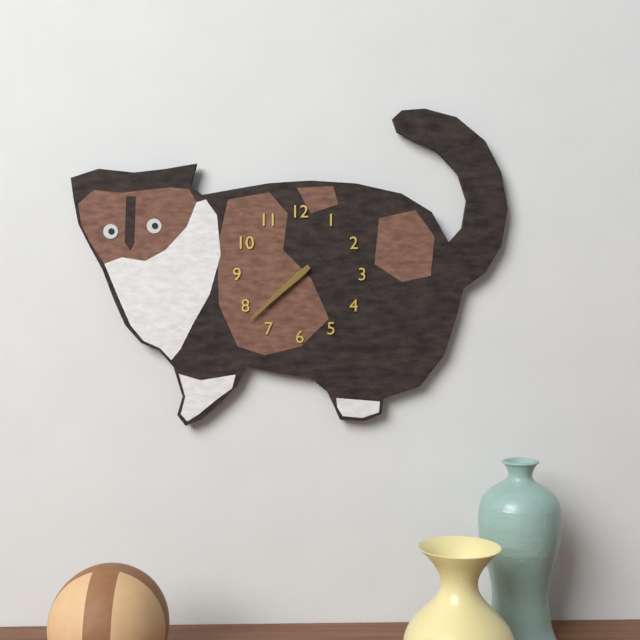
h=7 m=38
